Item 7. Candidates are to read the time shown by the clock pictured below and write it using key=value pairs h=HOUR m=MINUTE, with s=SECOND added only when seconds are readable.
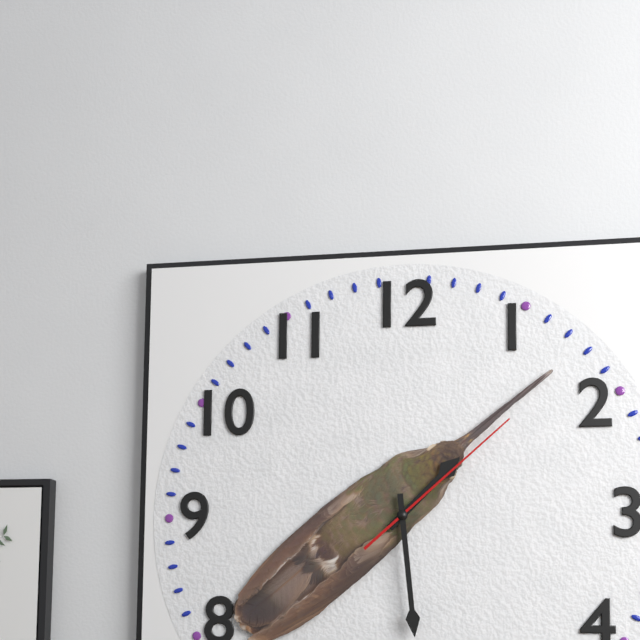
h=1 m=29 s=8
